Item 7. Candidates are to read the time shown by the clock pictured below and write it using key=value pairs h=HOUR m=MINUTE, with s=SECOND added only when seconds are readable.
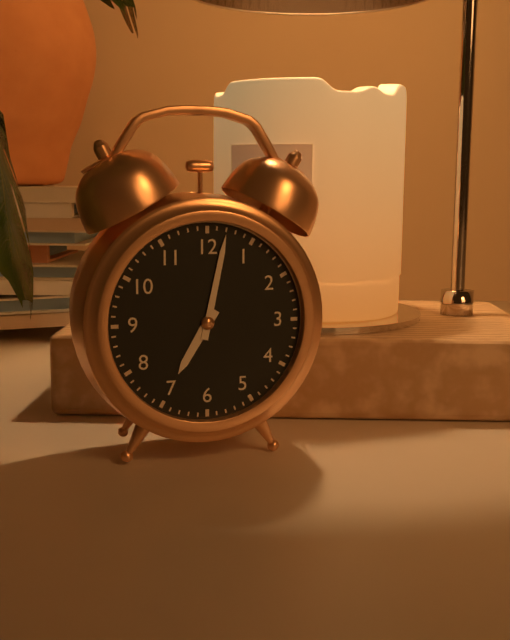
h=7 m=2
